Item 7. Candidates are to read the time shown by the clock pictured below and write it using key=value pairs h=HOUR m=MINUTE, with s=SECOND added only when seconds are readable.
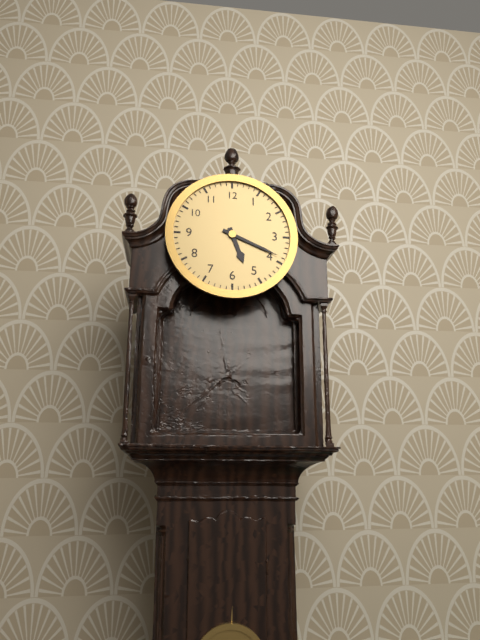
h=5 m=19
